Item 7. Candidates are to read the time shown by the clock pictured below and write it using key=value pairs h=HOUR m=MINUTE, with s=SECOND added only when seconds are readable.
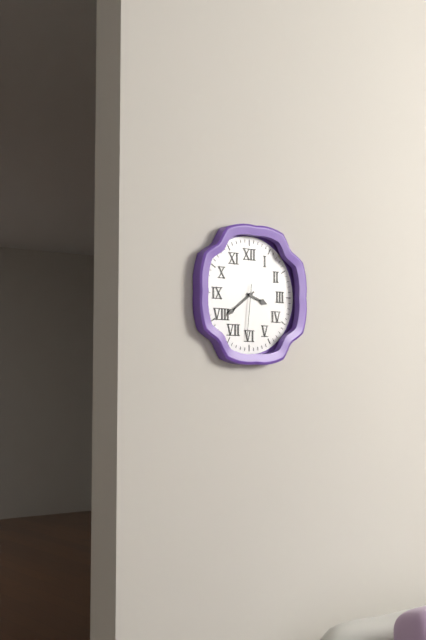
h=3 m=39 s=31
